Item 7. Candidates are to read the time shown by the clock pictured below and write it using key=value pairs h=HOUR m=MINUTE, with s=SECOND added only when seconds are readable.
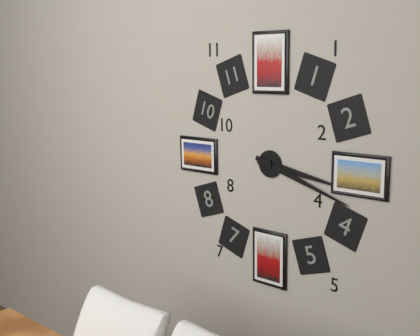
h=3 m=18
